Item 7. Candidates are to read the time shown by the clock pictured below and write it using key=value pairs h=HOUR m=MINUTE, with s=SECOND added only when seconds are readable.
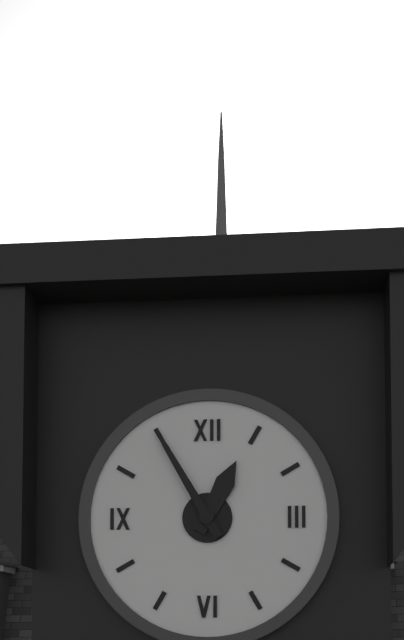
h=12 m=55
